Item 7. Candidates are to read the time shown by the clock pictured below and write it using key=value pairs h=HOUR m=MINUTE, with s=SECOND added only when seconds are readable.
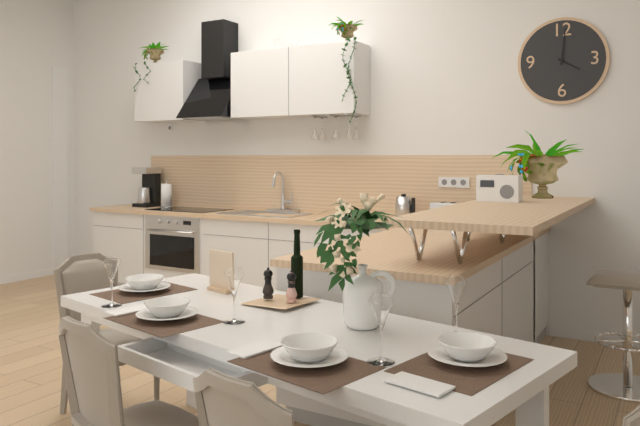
h=4 m=1
